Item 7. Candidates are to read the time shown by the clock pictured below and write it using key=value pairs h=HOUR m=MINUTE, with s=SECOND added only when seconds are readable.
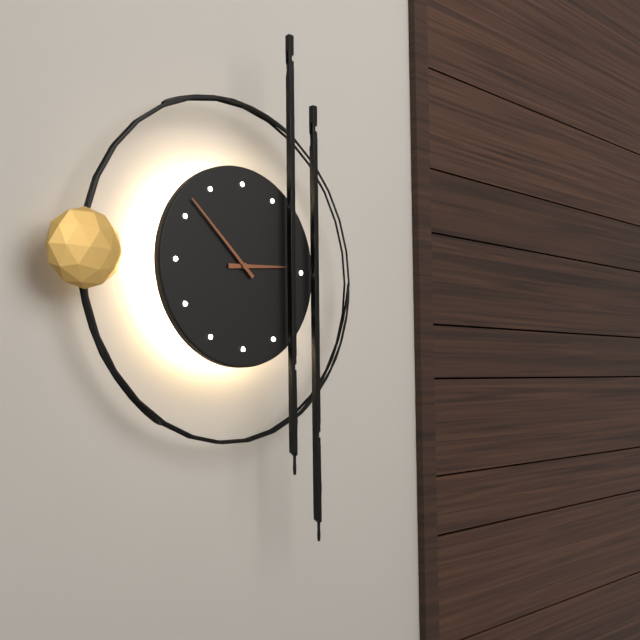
h=2 m=52
